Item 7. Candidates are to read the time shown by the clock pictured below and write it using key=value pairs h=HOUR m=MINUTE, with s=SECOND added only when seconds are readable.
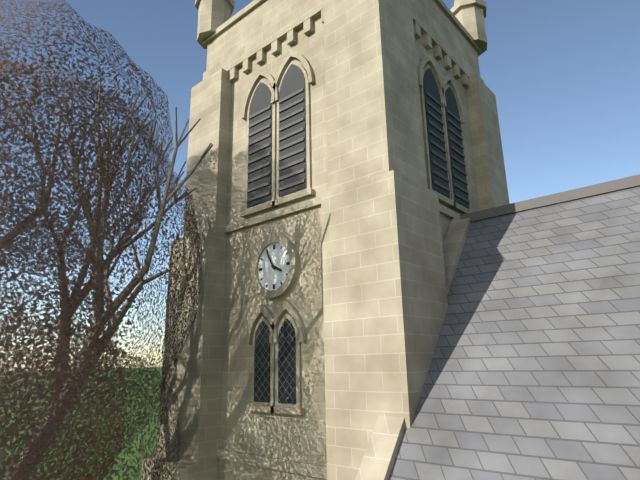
h=3 m=55
